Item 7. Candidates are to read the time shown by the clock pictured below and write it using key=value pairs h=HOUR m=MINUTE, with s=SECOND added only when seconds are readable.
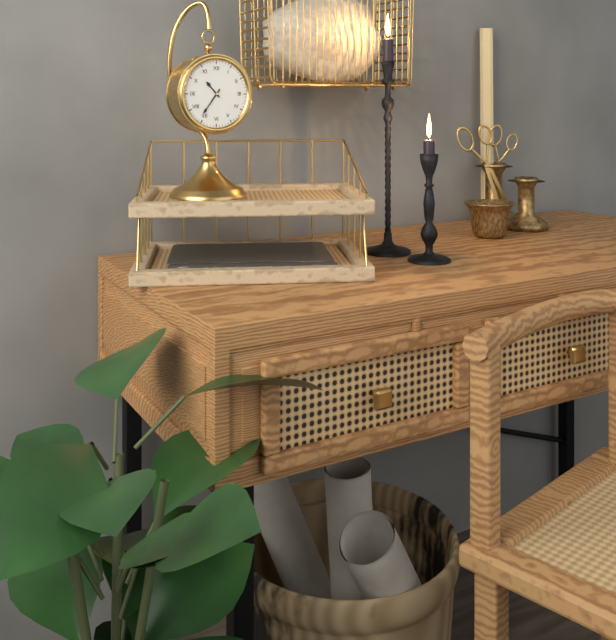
h=10 m=36
